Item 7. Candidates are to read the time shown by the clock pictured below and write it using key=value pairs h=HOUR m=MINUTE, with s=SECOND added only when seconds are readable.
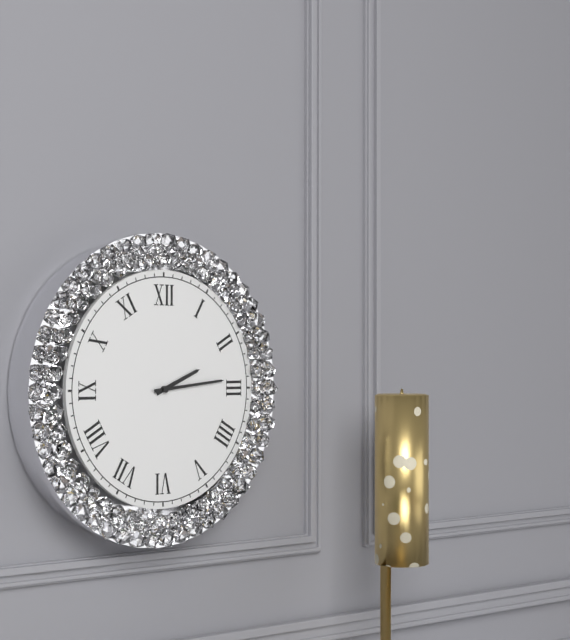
h=2 m=14
